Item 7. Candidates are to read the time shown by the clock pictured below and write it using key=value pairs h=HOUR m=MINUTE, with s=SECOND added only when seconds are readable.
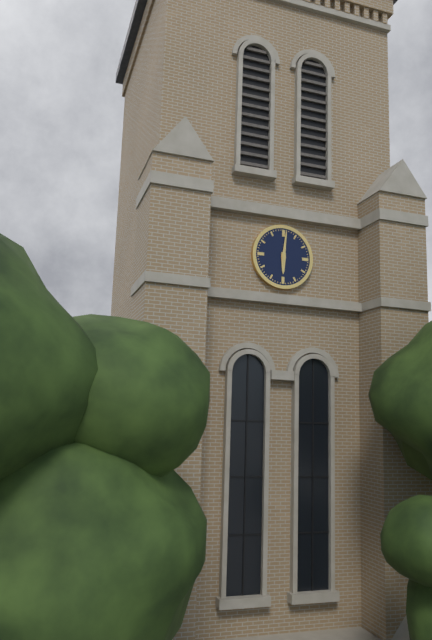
h=6 m=1
